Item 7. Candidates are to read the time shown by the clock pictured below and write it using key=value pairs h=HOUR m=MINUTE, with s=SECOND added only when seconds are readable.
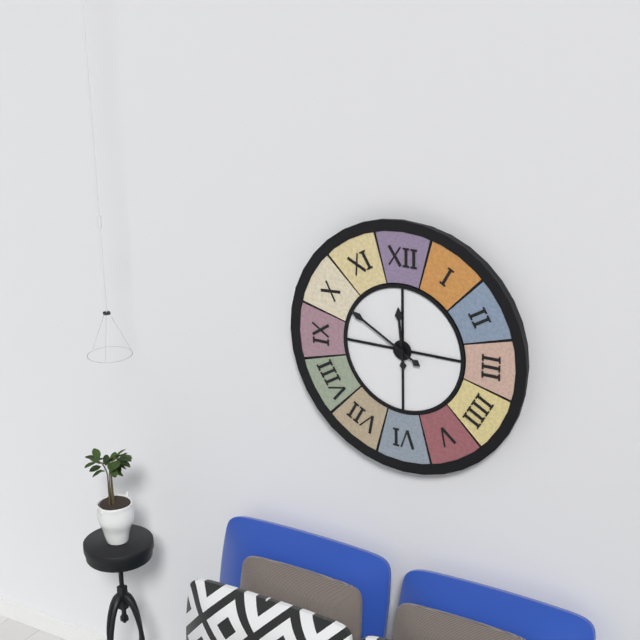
h=11 m=50
